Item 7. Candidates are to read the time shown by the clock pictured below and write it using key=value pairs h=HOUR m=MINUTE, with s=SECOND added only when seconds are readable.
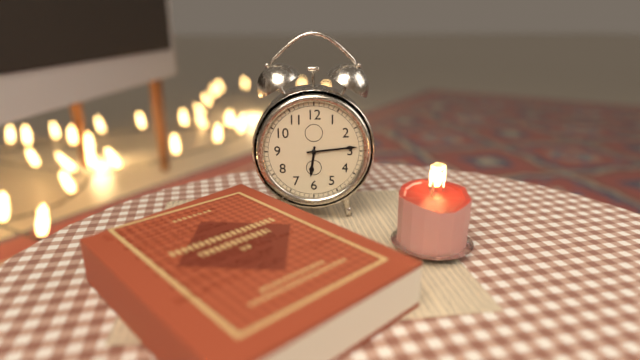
h=6 m=14
